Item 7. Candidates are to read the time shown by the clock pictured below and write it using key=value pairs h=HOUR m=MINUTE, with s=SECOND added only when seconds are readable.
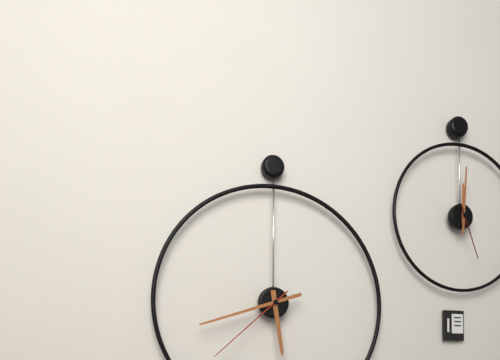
h=5 m=42 s=38
